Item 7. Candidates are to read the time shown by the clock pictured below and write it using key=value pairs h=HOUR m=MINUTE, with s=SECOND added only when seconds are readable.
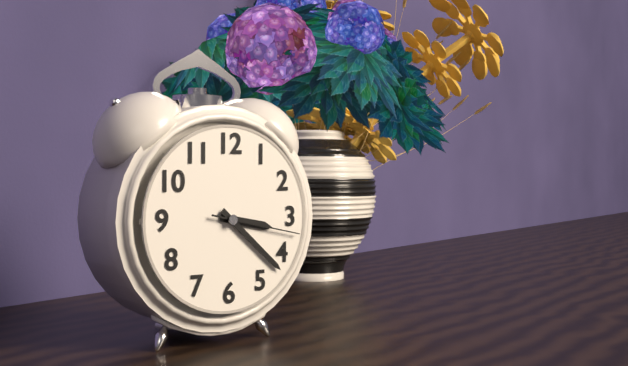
h=3 m=22 s=17
